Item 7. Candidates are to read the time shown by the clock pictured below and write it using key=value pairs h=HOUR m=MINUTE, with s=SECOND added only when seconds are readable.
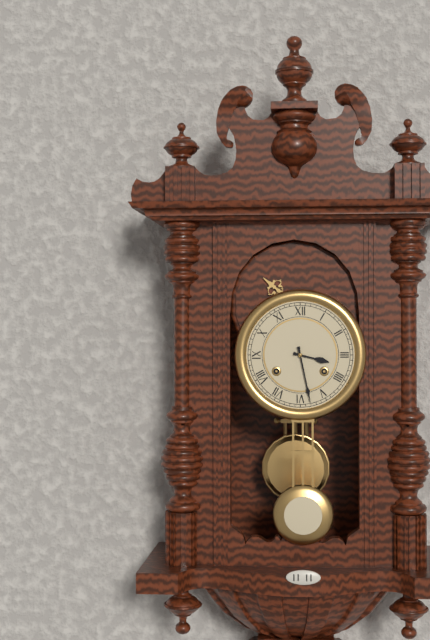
h=3 m=28
